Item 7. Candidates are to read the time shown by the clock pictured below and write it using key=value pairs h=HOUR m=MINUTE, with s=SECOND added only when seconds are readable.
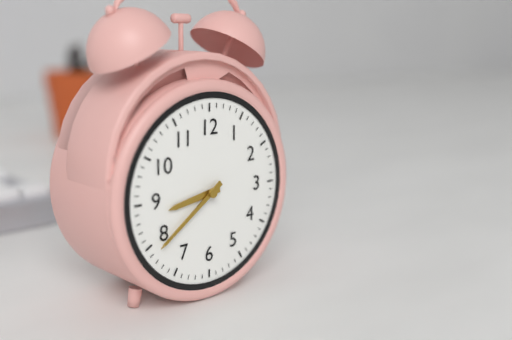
h=8 m=39
